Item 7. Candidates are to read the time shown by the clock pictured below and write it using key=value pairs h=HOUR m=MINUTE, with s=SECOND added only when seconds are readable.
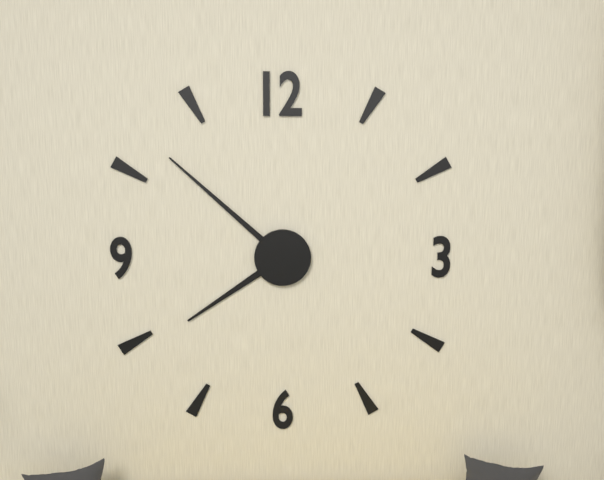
h=7 m=52
